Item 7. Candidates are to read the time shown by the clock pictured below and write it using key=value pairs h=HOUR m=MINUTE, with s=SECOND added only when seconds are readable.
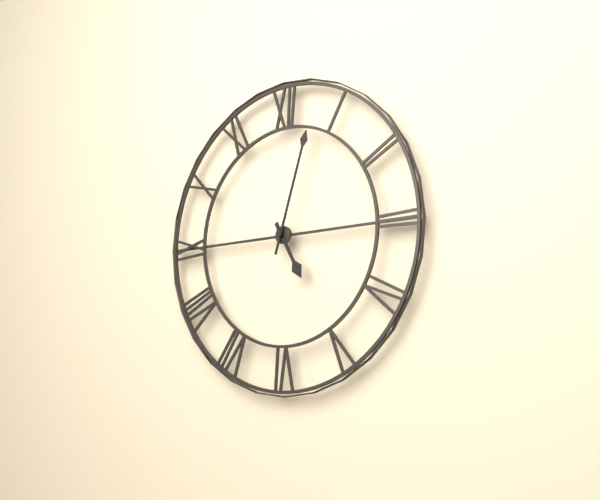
h=5 m=3
